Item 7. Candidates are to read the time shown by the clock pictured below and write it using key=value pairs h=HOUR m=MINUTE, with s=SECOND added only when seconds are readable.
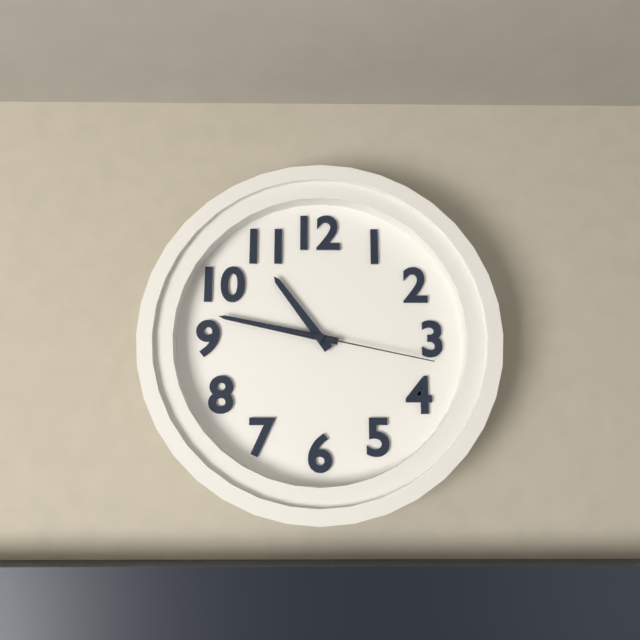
h=10 m=47 s=17
